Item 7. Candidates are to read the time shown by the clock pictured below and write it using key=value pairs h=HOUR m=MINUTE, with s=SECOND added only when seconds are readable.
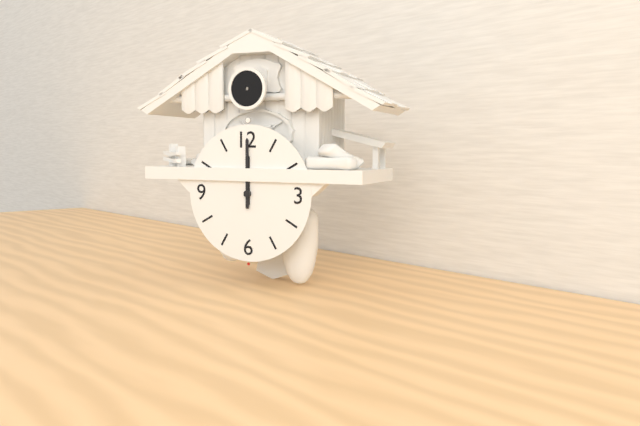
h=12 m=0
